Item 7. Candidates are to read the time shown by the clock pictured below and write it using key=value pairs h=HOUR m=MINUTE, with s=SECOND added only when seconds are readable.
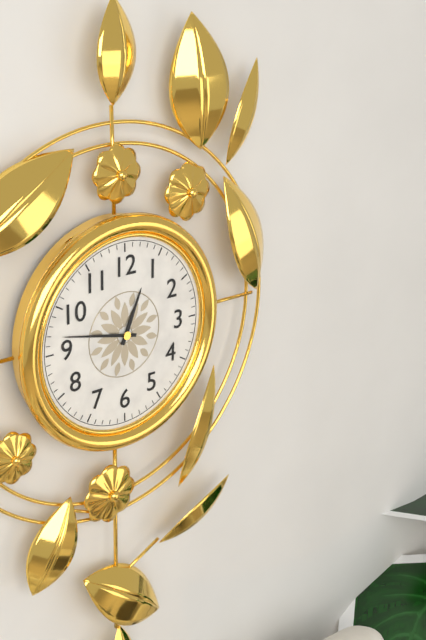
h=12 m=47
